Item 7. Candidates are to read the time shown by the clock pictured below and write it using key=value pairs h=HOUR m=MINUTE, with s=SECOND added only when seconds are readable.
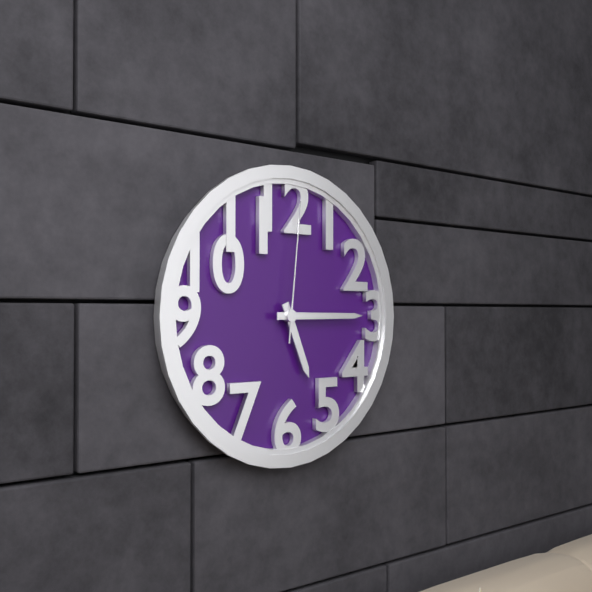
h=5 m=15 s=1
